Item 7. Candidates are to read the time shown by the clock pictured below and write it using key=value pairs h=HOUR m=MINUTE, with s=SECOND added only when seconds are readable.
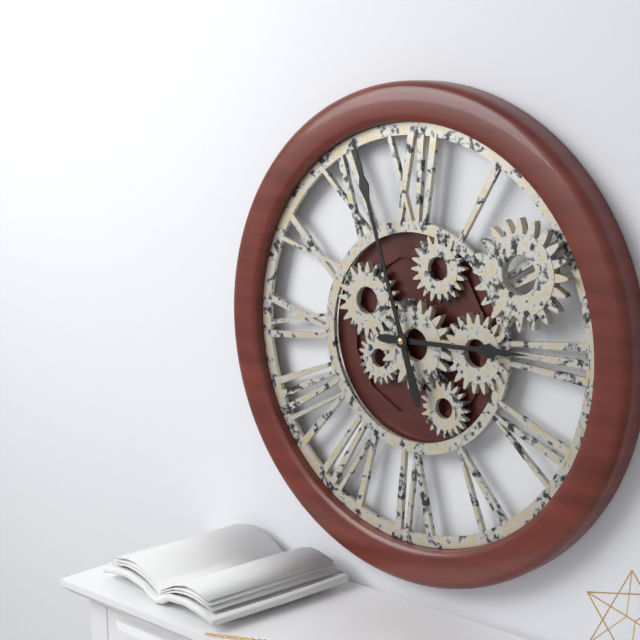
h=2 m=57
